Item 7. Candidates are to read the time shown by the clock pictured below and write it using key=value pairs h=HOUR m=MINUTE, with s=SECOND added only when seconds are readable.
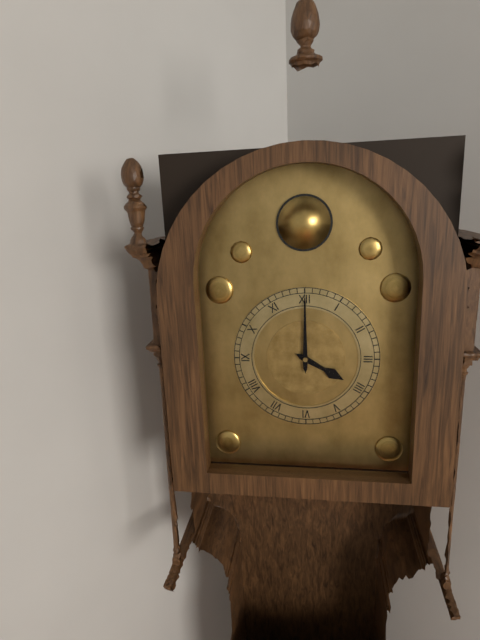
h=4 m=0
